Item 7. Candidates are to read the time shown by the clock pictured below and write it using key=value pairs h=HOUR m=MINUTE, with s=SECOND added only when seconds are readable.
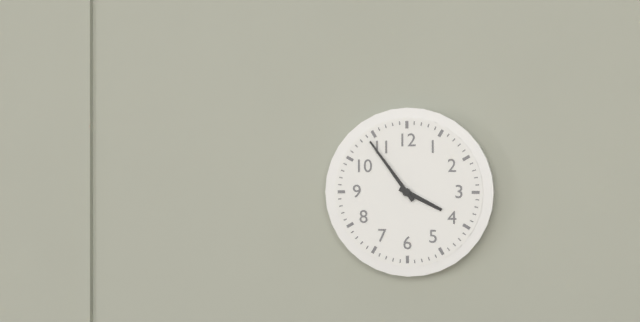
h=3 m=54
